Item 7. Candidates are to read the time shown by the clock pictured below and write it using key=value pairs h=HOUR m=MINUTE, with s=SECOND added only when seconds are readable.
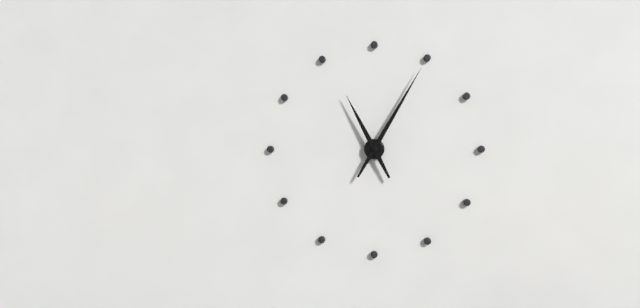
h=11 m=5
